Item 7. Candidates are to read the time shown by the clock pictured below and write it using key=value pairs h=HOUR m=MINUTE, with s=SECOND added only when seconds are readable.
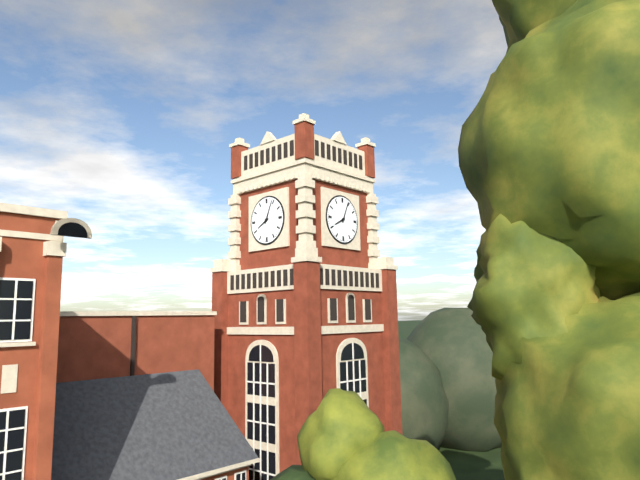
h=8 m=4
